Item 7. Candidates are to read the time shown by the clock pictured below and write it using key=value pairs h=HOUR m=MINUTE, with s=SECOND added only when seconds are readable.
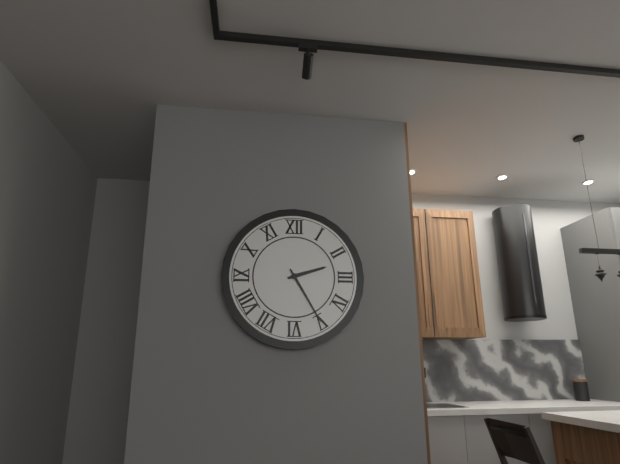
h=2 m=25
